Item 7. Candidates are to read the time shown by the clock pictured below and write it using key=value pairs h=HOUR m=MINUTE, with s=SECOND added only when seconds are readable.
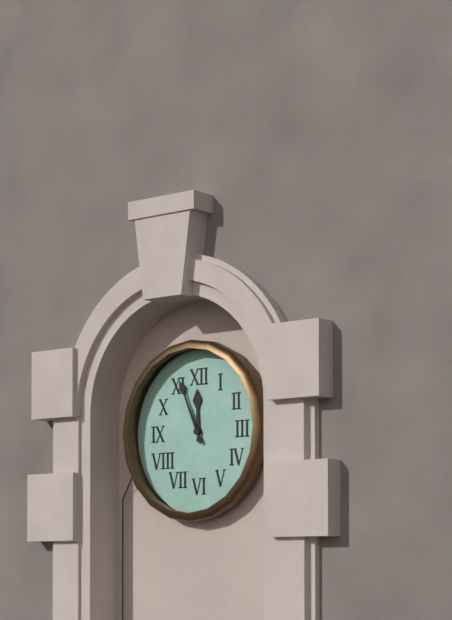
h=11 m=56
